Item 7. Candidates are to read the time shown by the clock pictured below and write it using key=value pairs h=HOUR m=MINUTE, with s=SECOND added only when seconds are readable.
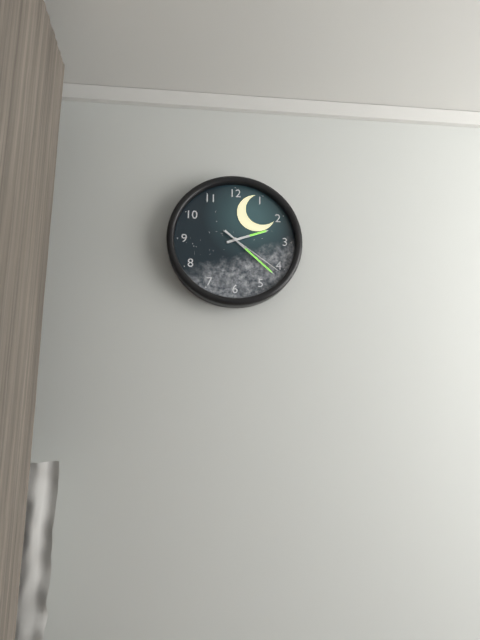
h=2 m=22 s=21
